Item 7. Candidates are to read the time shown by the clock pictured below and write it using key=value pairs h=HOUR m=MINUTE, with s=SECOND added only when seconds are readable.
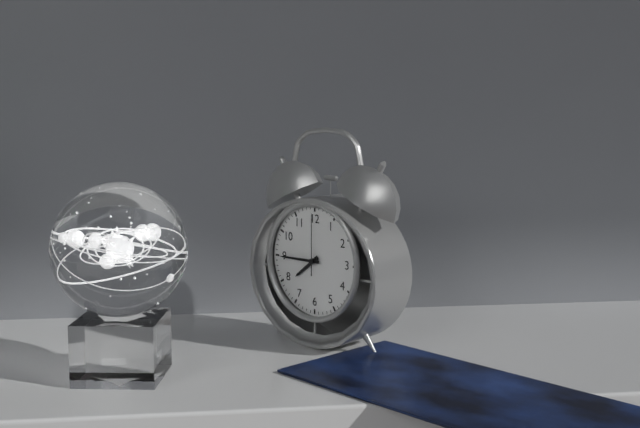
h=7 m=45 s=0
